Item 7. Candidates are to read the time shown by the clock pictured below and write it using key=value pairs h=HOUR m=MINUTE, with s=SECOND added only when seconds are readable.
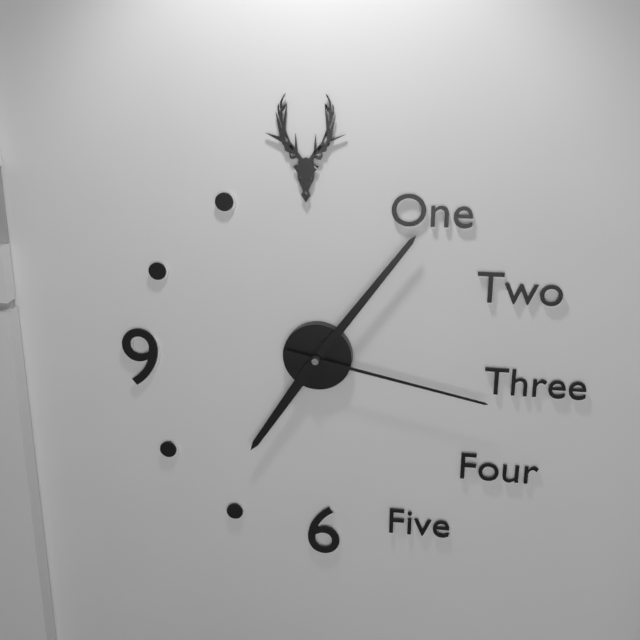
h=7 m=6 s=17
